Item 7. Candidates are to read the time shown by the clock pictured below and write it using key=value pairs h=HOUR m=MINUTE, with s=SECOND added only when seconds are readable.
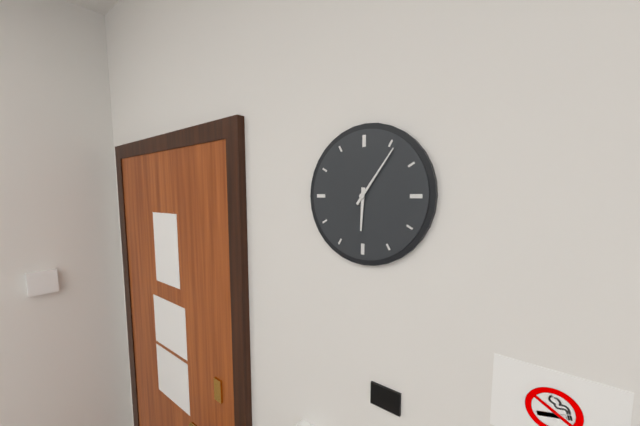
h=6 m=6
